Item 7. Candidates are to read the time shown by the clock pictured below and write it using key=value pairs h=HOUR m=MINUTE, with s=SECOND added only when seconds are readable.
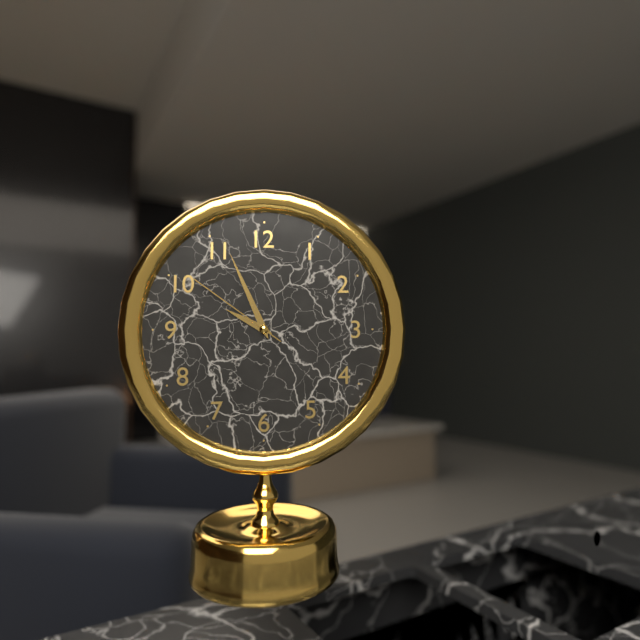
h=9 m=56 s=51
